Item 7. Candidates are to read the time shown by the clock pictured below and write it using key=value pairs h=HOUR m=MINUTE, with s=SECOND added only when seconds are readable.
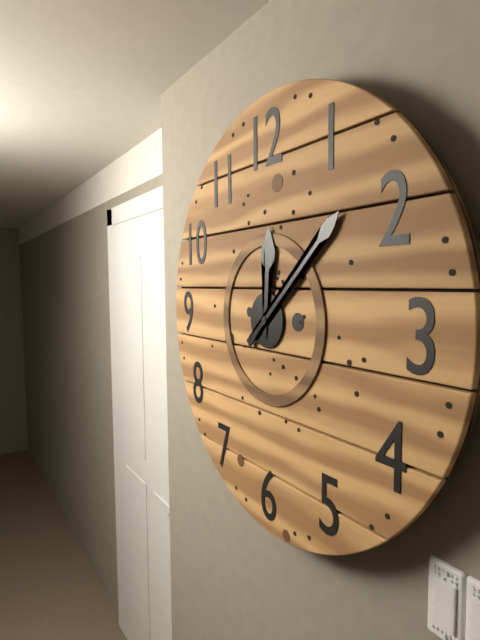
h=12 m=8
